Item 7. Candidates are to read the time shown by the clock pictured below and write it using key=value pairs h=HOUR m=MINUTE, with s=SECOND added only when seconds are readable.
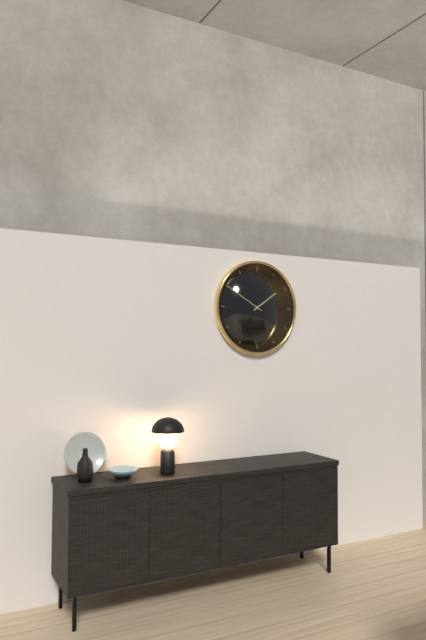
h=1 m=50
